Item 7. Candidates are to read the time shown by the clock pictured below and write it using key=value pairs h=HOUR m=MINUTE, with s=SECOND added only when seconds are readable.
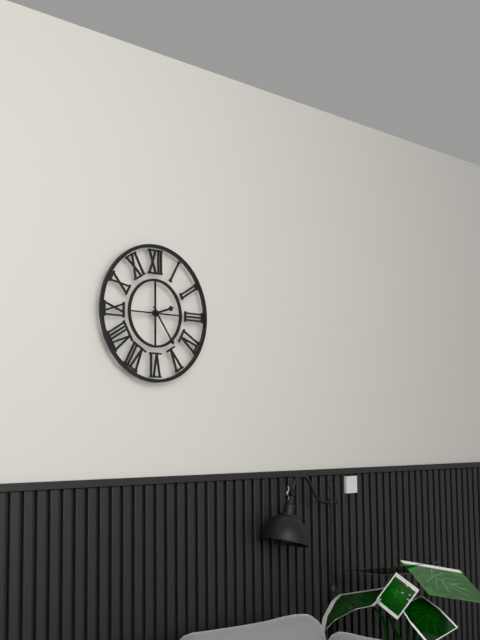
h=2 m=24
